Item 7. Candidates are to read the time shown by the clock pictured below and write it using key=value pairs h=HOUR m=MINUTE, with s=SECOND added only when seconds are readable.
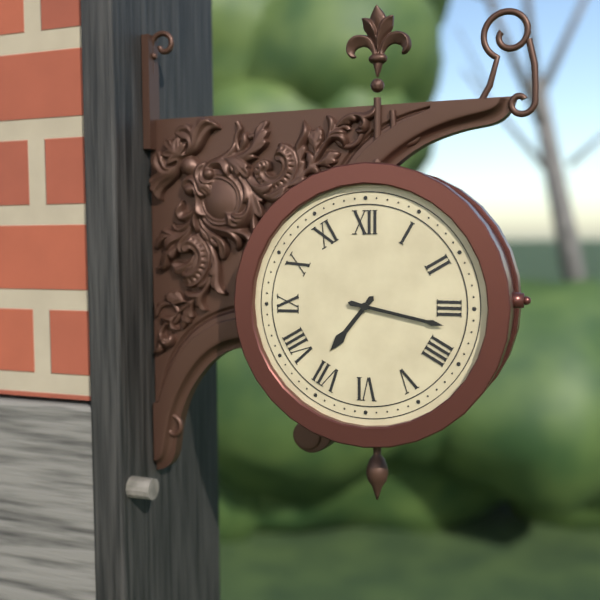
h=7 m=17
